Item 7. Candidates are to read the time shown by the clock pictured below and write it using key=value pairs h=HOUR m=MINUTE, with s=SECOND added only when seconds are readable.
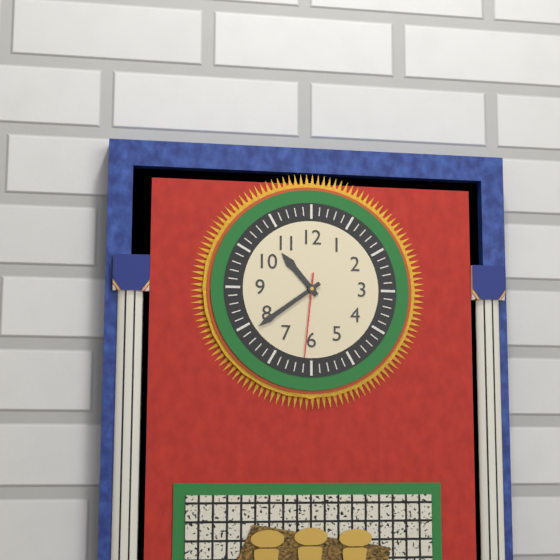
h=10 m=39 s=31
